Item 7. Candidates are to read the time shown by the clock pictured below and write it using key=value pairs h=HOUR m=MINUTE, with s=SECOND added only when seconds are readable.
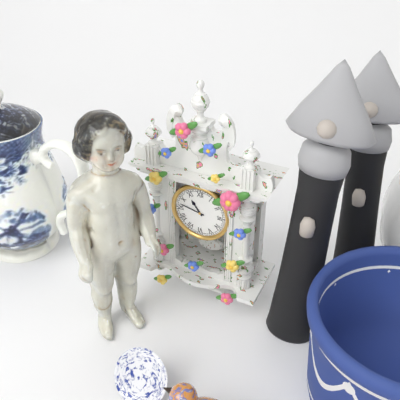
h=10 m=47
